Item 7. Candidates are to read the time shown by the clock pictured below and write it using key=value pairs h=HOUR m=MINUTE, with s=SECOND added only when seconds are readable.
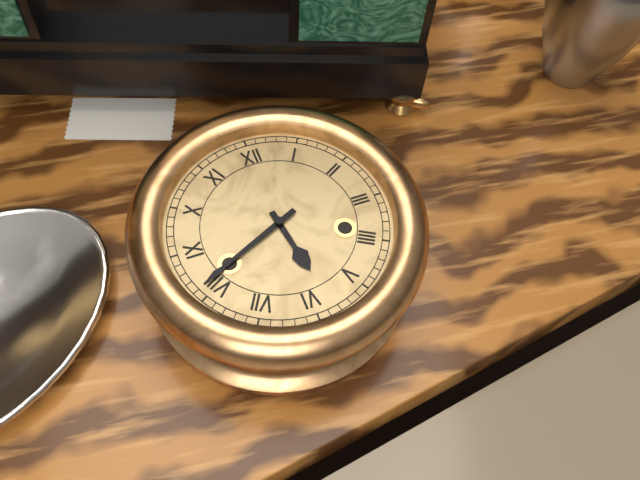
h=5 m=41
